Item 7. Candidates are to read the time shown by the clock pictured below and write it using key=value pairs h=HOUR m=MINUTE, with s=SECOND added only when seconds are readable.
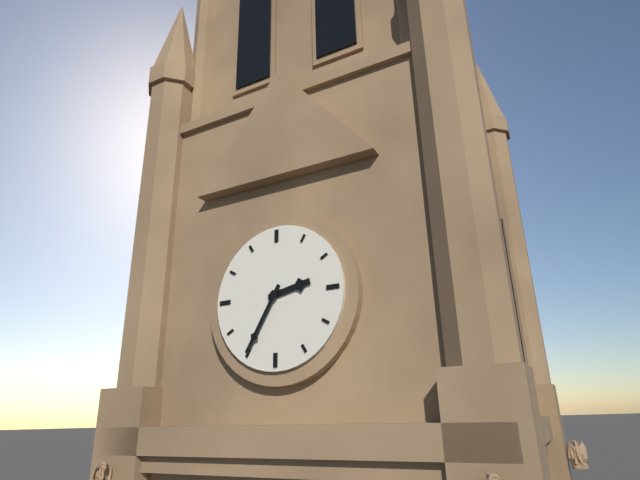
h=2 m=35
